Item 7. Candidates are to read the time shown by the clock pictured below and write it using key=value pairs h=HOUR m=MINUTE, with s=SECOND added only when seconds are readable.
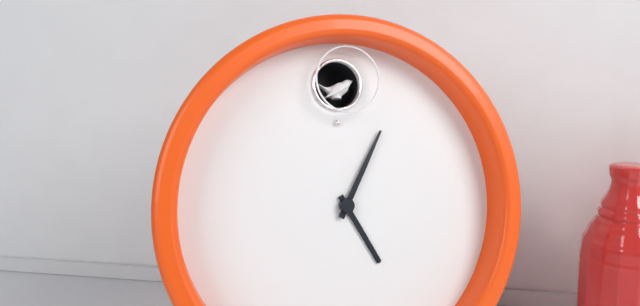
h=5 m=5
